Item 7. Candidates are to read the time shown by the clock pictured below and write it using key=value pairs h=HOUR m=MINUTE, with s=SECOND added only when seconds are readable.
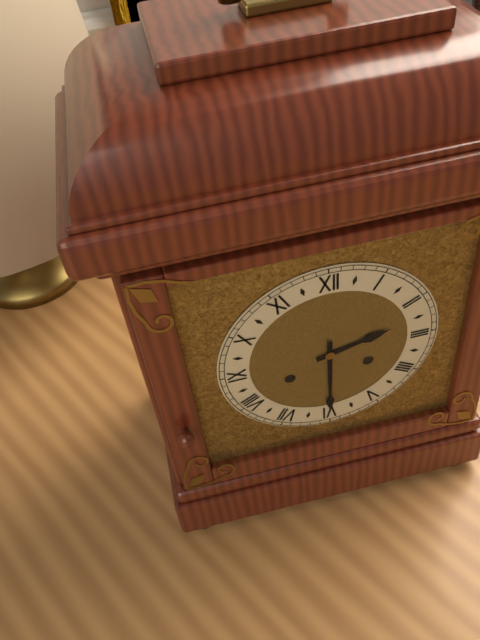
h=2 m=30
